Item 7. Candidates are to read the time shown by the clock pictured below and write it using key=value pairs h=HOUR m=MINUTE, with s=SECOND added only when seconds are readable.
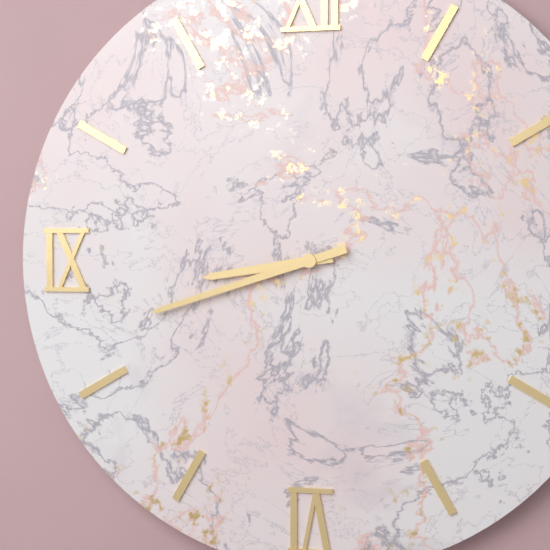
h=8 m=42
